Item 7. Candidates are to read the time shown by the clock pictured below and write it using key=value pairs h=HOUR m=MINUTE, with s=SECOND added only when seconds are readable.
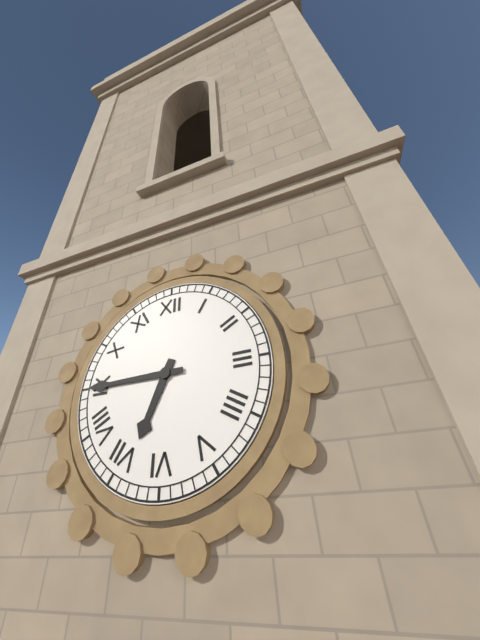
h=6 m=45
